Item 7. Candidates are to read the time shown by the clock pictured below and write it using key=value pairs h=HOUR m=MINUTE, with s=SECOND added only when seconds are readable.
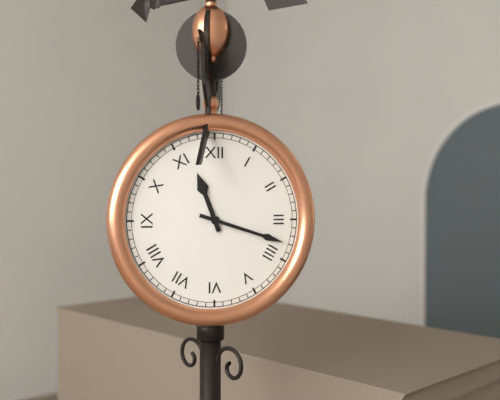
h=11 m=18
